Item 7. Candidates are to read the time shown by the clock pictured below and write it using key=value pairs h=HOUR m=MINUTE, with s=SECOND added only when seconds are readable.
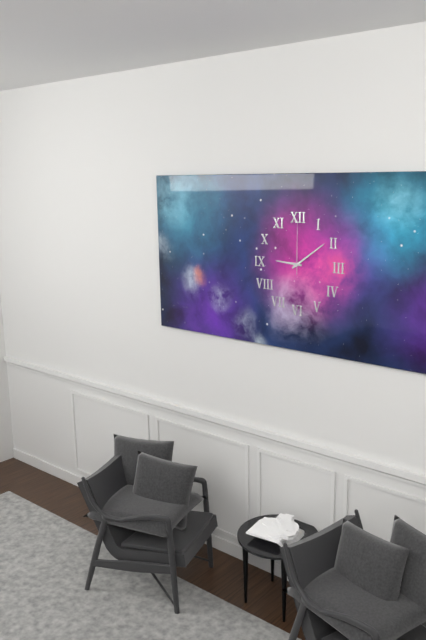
h=9 m=9 s=0
